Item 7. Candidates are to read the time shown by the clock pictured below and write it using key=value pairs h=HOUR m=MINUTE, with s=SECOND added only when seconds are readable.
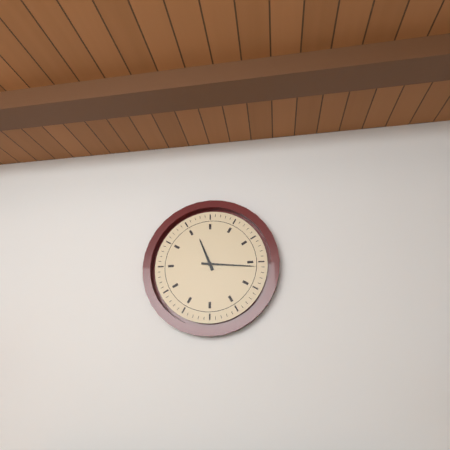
h=11 m=16
